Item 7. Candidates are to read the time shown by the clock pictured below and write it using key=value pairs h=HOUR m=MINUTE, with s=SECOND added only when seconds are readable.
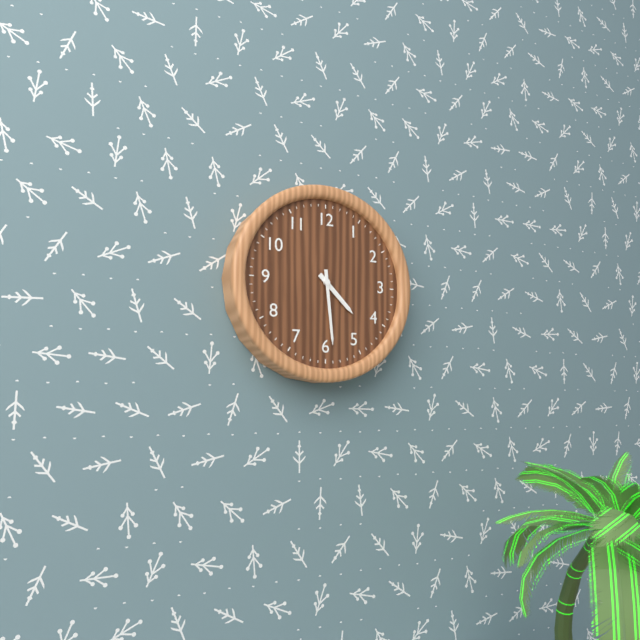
h=4 m=29
